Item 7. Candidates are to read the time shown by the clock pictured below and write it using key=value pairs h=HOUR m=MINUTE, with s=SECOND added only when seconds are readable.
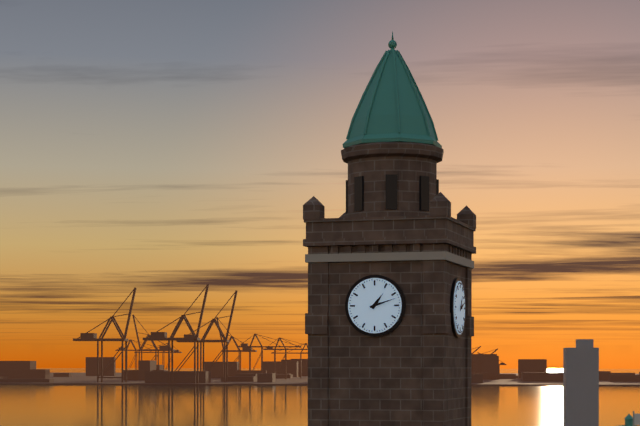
h=1 m=12
